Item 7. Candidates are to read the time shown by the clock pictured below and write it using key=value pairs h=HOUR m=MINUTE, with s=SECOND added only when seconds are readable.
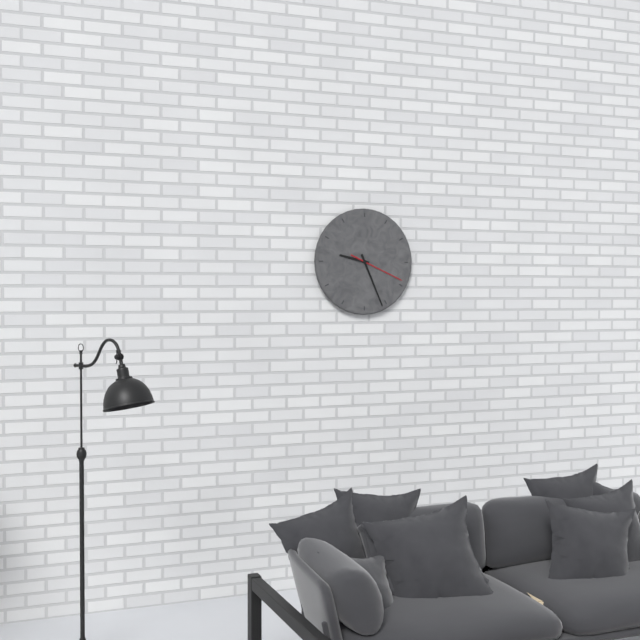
h=9 m=26 s=19
